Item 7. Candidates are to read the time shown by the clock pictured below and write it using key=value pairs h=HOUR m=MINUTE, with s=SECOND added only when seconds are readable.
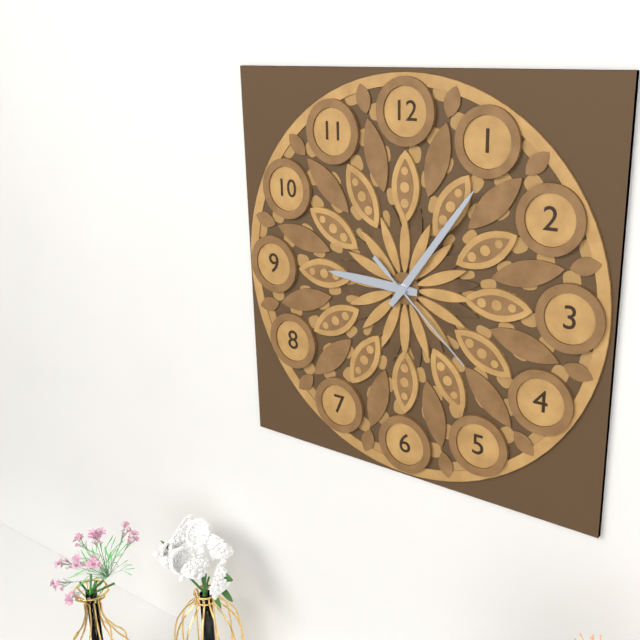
h=9 m=6 s=22
